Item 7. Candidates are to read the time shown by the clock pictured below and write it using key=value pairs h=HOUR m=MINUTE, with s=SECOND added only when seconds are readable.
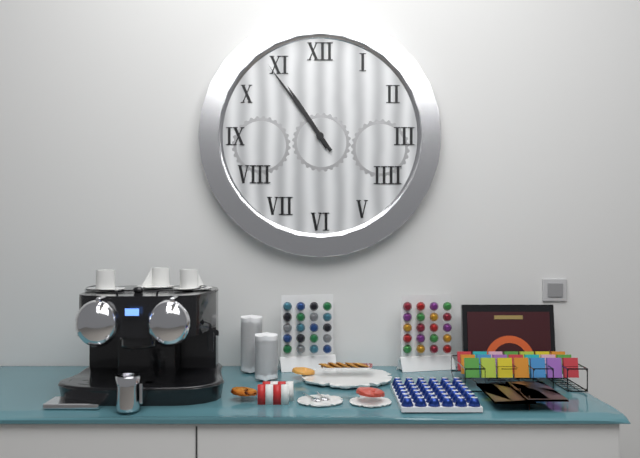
h=10 m=54
